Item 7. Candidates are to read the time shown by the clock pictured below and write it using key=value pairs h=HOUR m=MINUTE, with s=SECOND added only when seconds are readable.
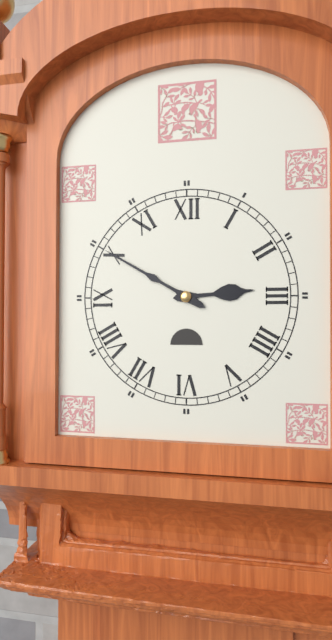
h=2 m=50
